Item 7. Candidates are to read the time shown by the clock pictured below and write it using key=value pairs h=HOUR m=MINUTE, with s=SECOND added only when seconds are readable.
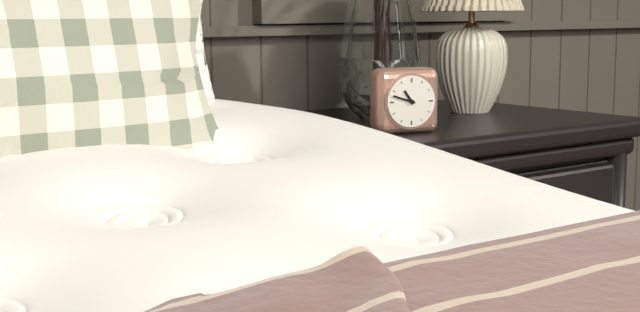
h=10 m=48
